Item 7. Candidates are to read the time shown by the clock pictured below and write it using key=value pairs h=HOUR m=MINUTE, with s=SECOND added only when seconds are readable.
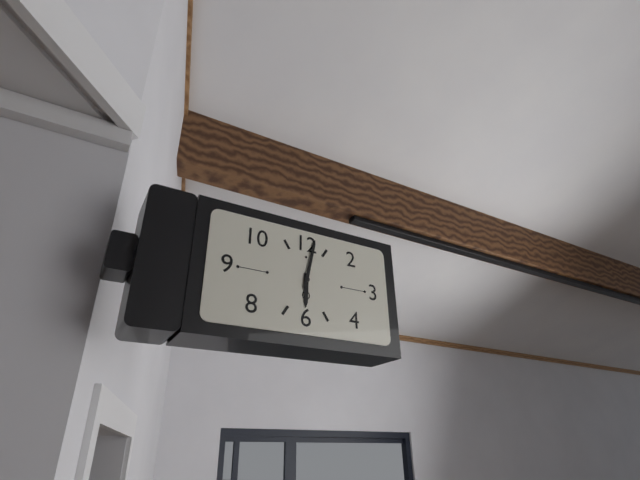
h=6 m=2
